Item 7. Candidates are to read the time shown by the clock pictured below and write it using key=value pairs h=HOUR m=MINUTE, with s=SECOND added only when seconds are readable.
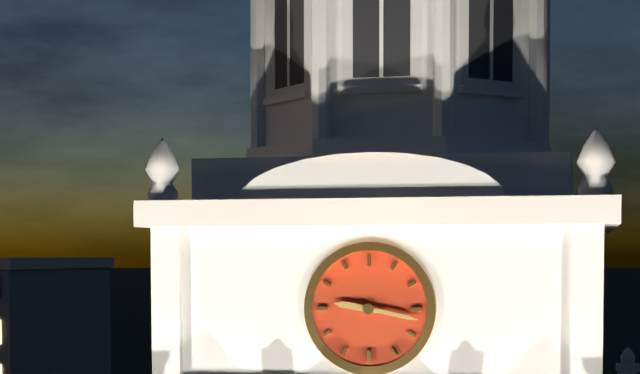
h=9 m=17
